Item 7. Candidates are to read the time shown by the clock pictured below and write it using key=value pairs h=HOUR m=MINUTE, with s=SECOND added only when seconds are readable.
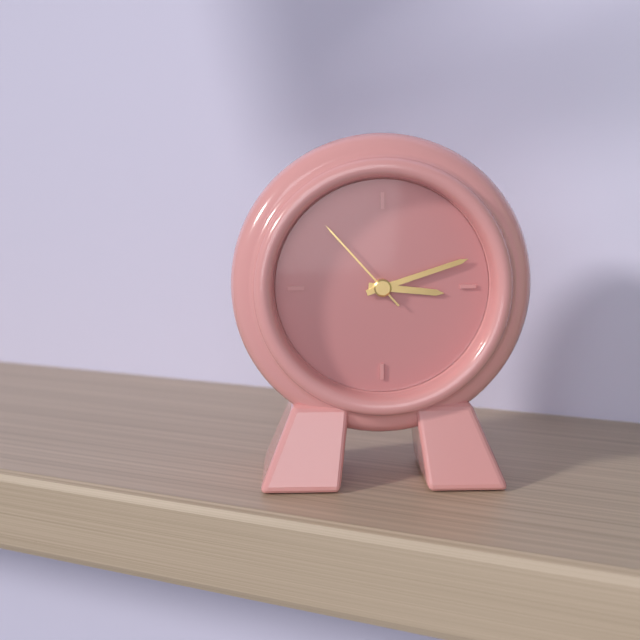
h=3 m=12 s=53
